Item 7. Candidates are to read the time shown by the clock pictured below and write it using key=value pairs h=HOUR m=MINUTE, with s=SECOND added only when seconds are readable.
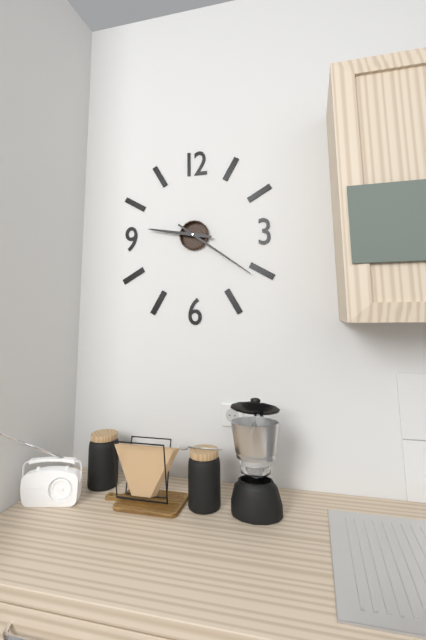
h=9 m=21
